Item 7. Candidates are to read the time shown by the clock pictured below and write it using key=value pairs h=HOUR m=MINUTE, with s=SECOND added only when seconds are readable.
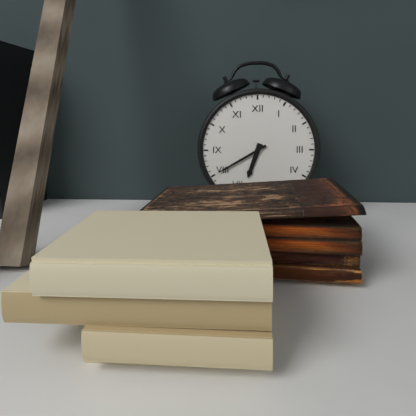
h=6 m=40
